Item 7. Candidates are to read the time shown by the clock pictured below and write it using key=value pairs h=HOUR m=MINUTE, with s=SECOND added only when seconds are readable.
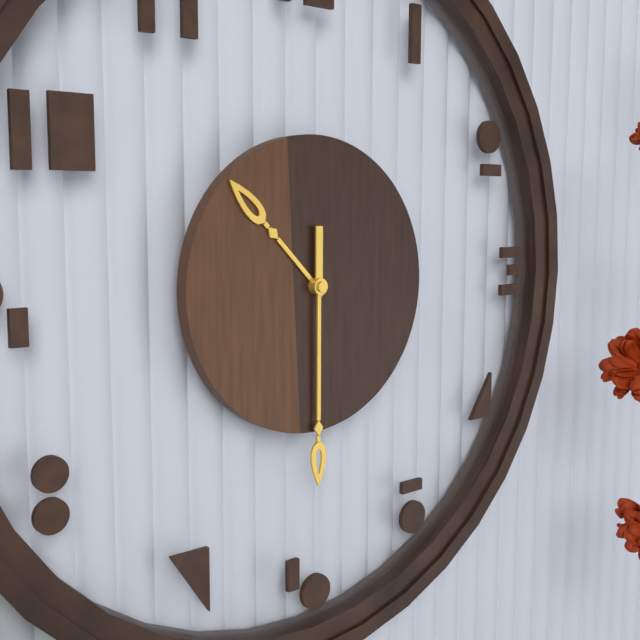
h=10 m=30
